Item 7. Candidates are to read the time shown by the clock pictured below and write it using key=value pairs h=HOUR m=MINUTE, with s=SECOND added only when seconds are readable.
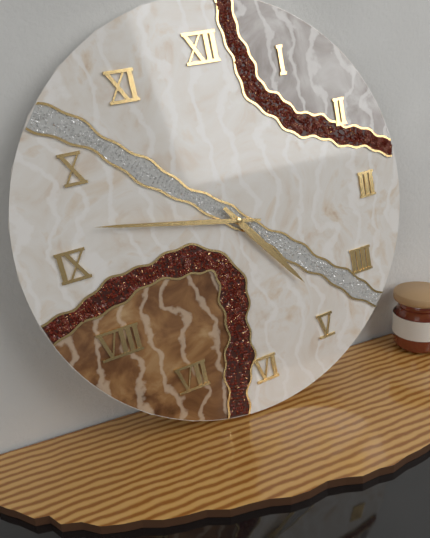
h=4 m=47
